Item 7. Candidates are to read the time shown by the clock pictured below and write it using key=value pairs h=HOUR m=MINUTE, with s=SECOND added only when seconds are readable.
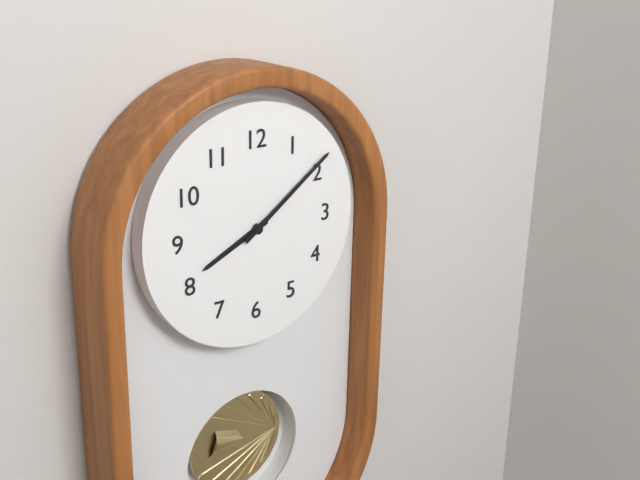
h=8 m=9
